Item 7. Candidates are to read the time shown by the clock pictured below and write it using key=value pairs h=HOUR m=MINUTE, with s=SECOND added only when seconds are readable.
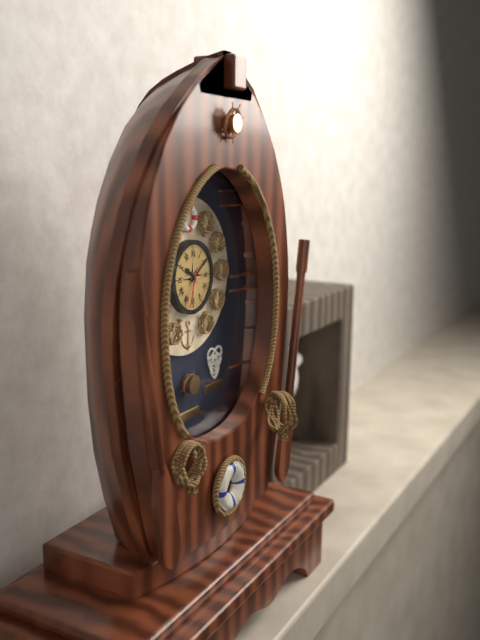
h=10 m=9
